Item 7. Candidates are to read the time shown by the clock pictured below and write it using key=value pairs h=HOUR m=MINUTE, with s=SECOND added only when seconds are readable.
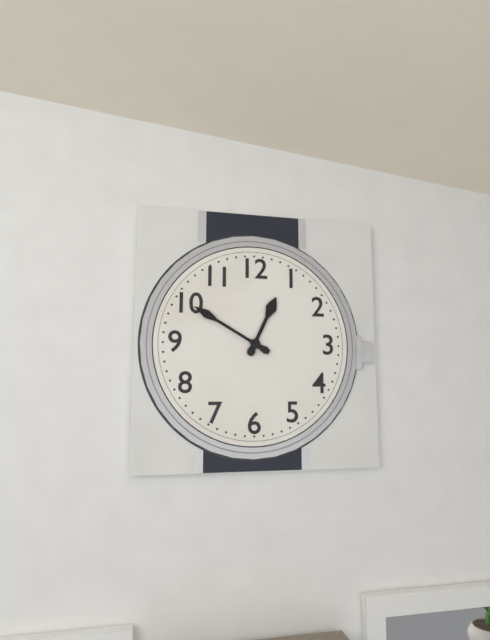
h=12 m=50
